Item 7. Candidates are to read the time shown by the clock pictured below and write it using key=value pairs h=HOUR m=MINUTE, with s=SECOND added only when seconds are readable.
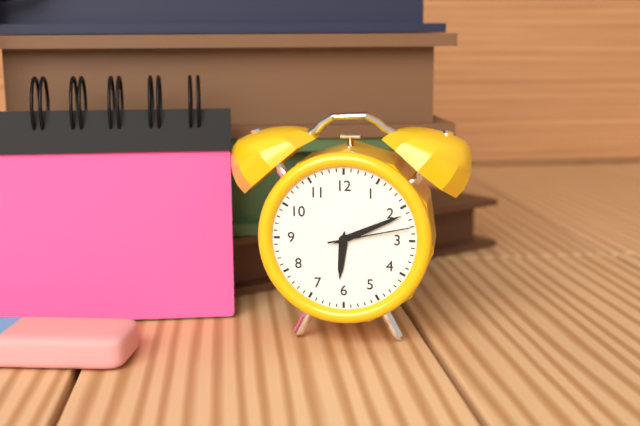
h=6 m=11 s=13
